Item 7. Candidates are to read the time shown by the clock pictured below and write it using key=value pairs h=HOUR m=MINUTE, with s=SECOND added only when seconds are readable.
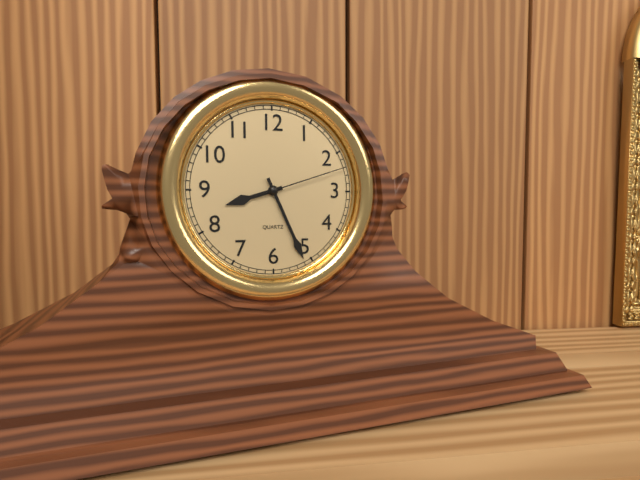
h=8 m=26 s=12
